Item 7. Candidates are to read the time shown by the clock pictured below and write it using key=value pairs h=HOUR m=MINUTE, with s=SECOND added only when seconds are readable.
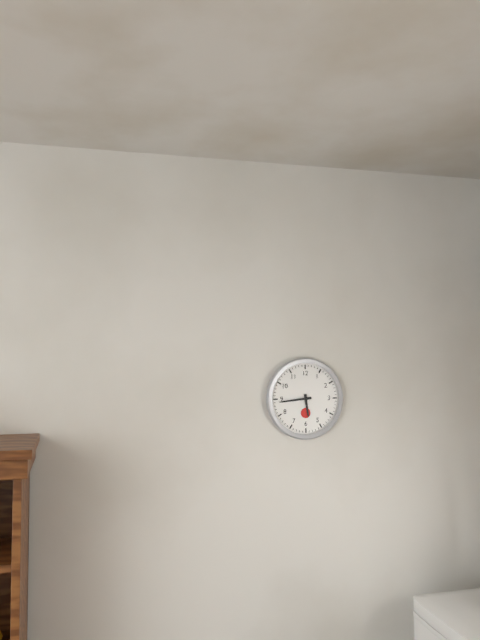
h=5 m=44
